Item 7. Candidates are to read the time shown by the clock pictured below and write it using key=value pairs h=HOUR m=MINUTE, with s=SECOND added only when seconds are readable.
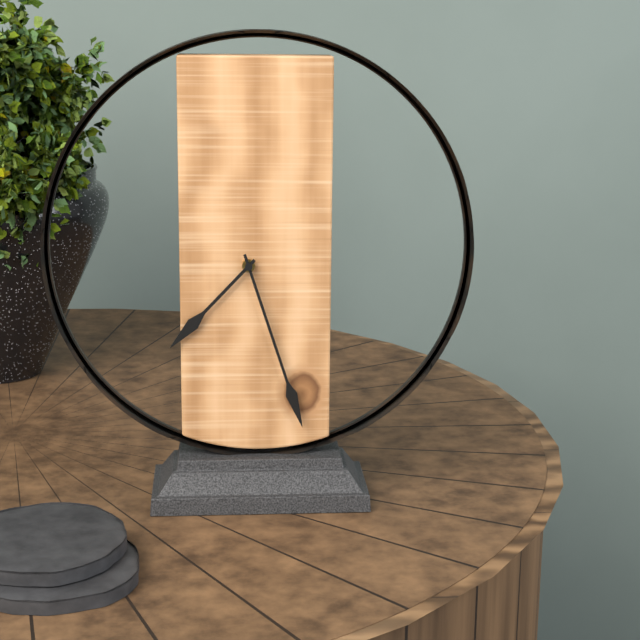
h=7 m=27
